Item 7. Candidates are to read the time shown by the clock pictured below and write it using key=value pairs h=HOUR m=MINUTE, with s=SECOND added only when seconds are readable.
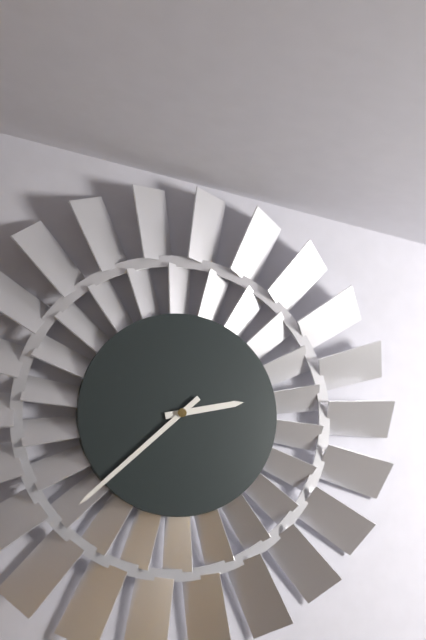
h=2 m=38
